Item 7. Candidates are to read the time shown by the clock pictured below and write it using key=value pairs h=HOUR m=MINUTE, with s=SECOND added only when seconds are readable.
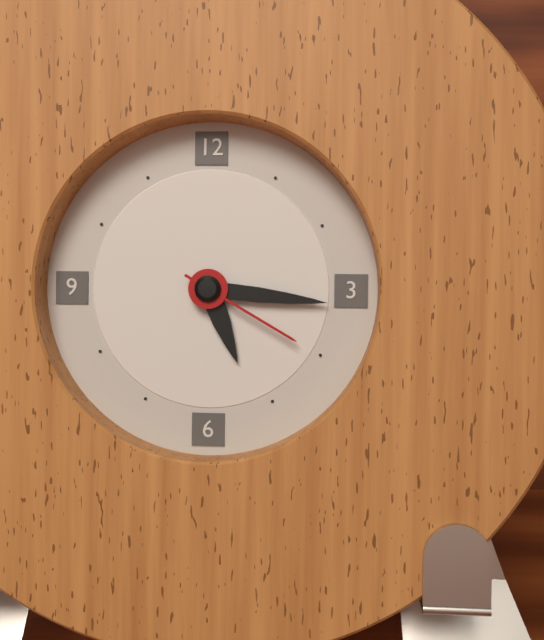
h=5 m=16 s=20
